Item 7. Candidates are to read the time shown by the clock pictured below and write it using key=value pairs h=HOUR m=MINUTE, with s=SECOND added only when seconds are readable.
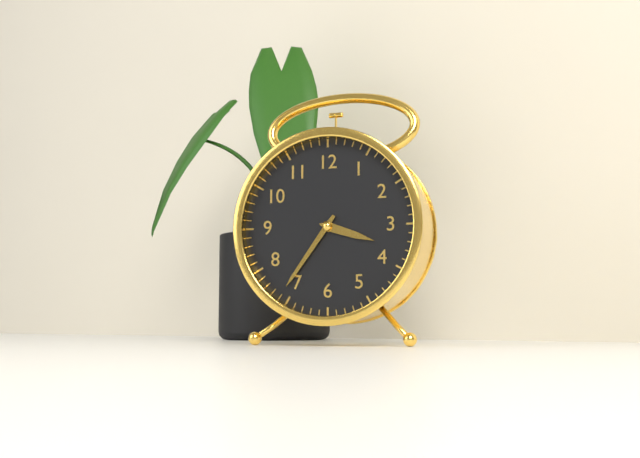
h=3 m=36
